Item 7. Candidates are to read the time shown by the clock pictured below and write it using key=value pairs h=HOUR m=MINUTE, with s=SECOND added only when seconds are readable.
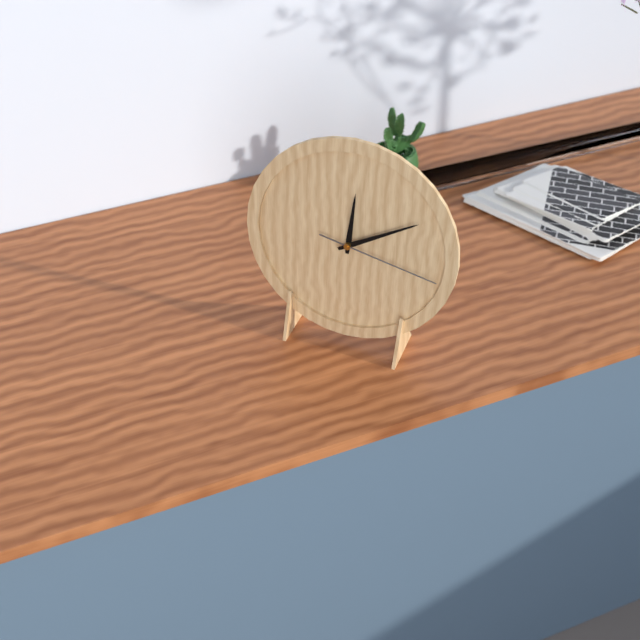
h=12 m=10 s=17
